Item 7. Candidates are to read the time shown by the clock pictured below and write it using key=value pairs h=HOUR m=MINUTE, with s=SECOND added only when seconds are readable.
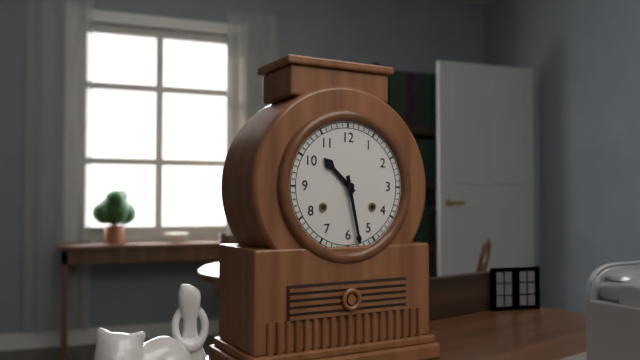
h=10 m=28
